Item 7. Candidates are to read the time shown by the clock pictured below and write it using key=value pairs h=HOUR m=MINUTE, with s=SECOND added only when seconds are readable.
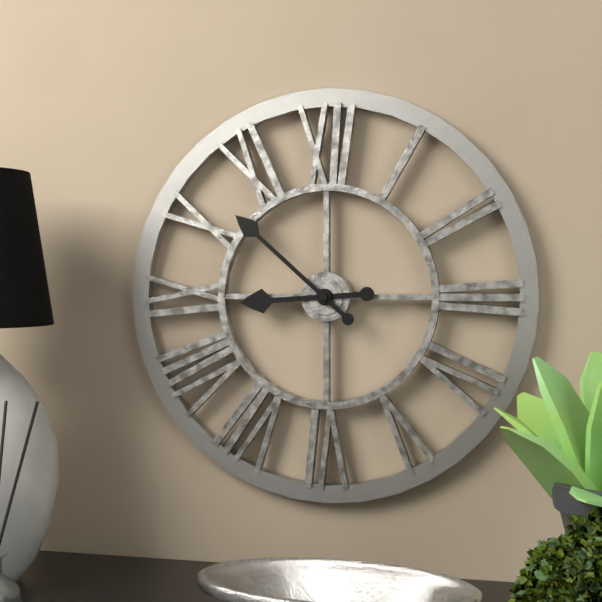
h=8 m=52
